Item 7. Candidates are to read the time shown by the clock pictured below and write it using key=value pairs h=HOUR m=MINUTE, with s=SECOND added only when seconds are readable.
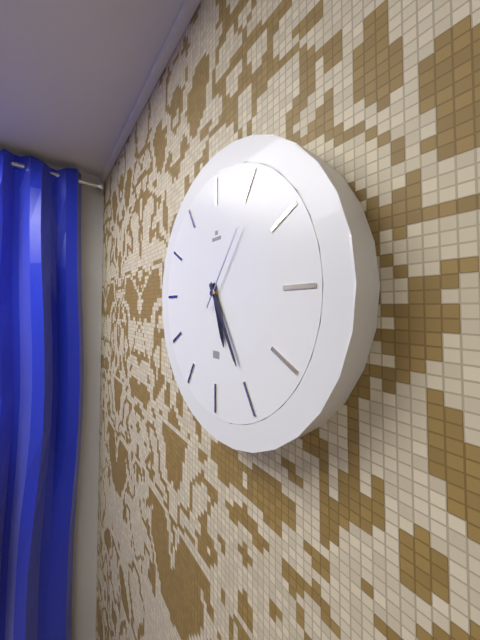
h=5 m=25 s=6
